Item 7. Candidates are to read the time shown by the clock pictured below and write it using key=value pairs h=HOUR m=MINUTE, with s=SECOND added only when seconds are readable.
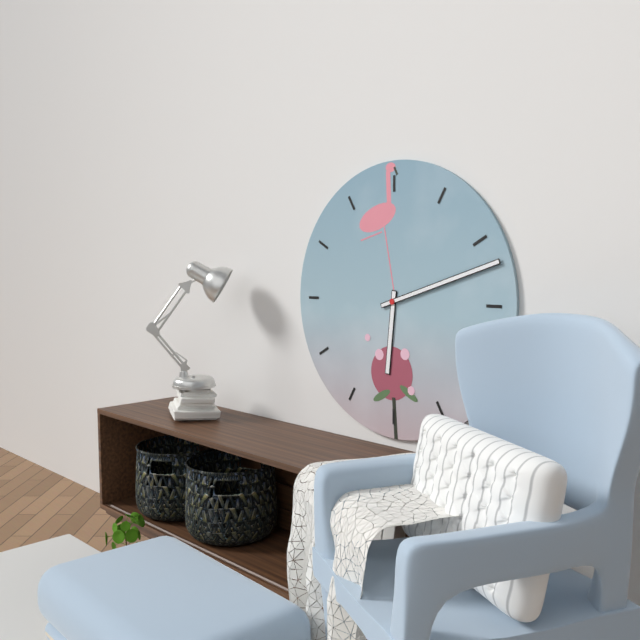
h=6 m=12
